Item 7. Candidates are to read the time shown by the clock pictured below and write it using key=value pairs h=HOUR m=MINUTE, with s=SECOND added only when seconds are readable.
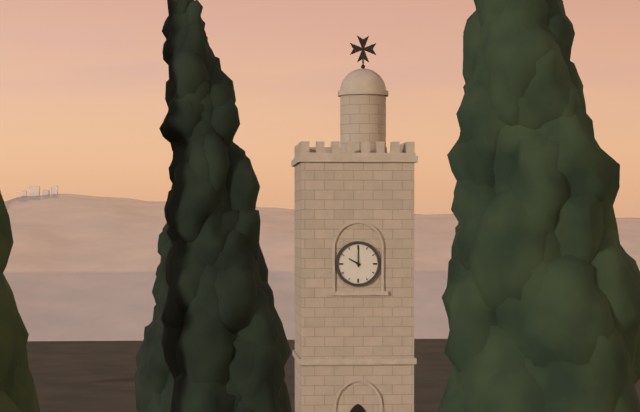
h=10 m=0
